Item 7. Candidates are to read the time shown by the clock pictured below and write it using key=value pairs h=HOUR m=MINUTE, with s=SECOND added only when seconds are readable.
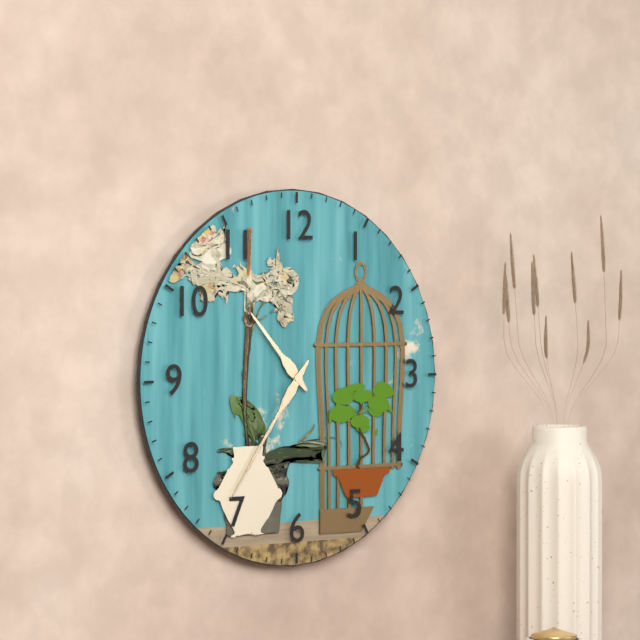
h=10 m=36
